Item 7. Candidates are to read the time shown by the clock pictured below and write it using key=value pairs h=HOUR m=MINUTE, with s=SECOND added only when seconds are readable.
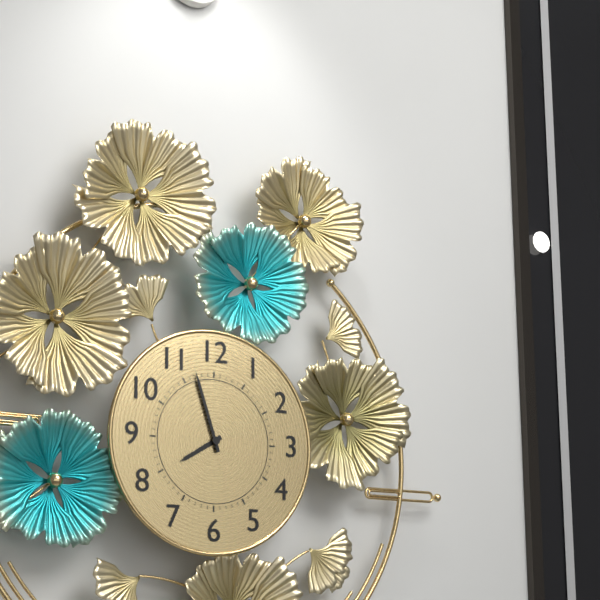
h=7 m=57
